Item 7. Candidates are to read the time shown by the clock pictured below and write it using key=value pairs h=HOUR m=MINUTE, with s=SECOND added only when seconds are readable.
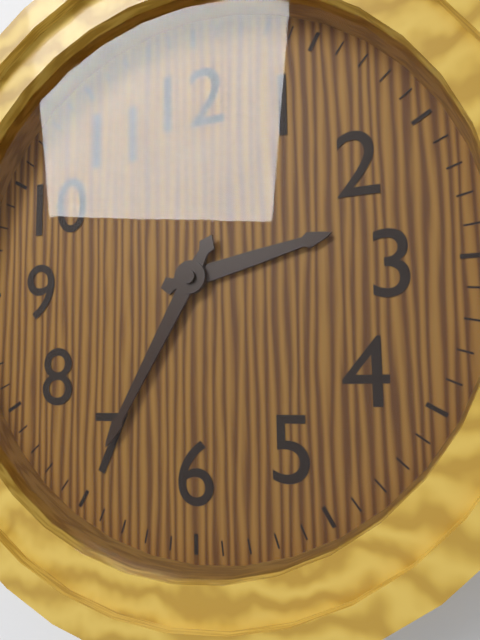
h=2 m=35
